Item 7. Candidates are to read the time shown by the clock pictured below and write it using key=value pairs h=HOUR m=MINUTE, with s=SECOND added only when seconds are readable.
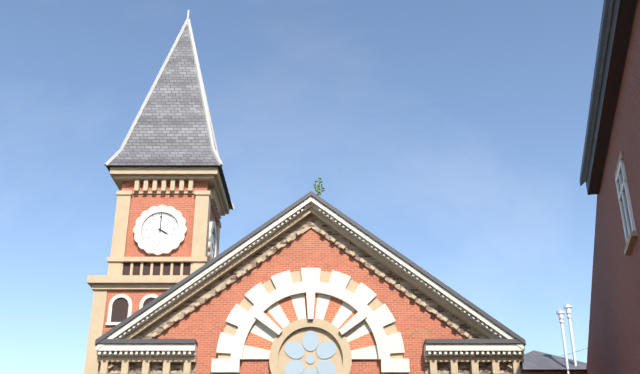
h=4 m=0
